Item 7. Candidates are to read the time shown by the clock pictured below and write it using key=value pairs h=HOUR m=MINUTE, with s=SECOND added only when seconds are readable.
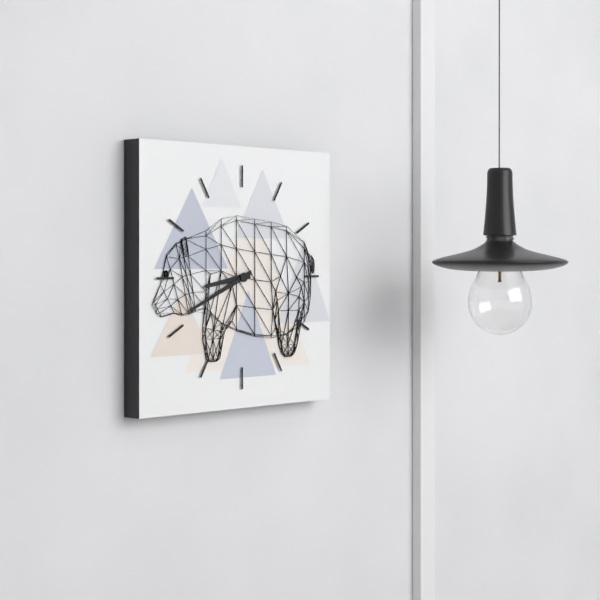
h=8 m=41
